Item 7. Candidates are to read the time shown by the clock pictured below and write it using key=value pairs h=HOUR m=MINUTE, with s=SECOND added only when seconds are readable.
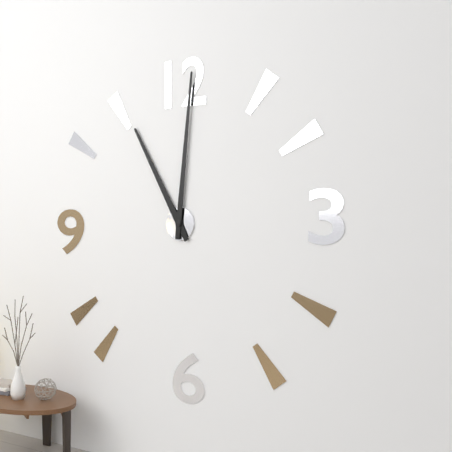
h=11 m=1
